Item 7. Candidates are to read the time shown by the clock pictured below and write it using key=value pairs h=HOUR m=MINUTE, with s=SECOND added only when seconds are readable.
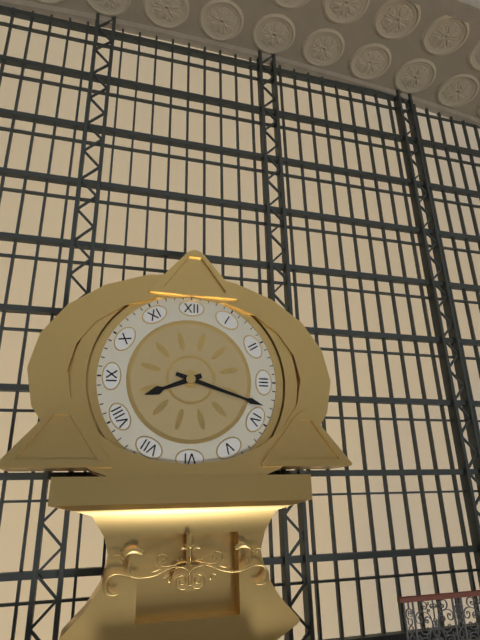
h=8 m=18
